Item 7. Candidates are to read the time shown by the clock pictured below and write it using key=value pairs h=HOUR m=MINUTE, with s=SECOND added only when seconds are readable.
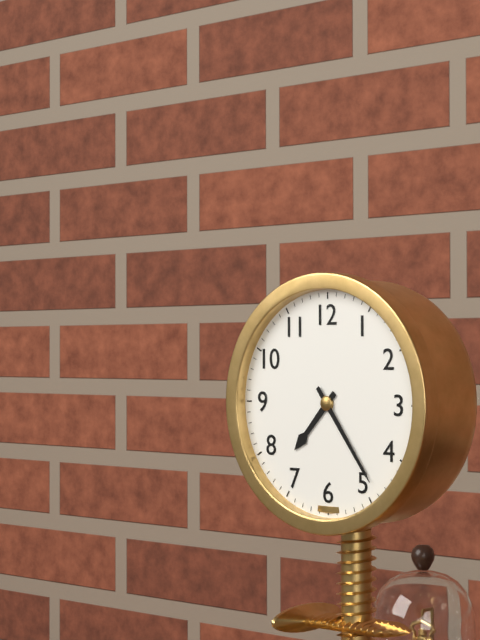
h=7 m=24
